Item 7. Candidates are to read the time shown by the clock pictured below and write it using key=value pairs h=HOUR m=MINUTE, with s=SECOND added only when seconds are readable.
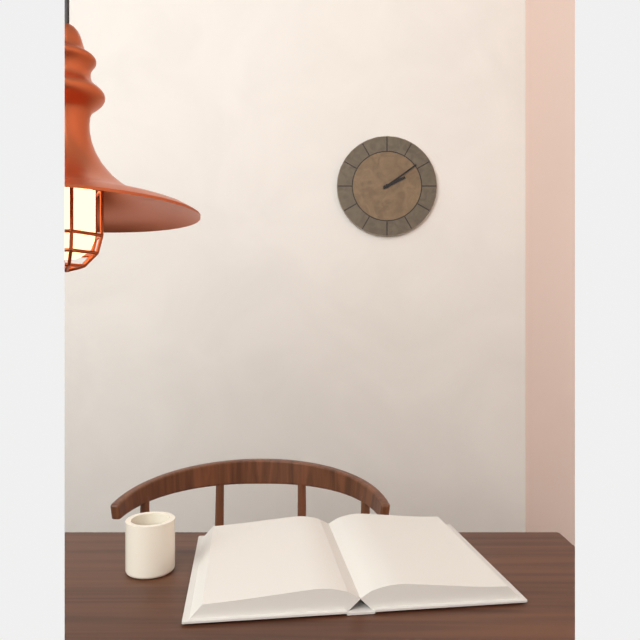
h=2 m=9
